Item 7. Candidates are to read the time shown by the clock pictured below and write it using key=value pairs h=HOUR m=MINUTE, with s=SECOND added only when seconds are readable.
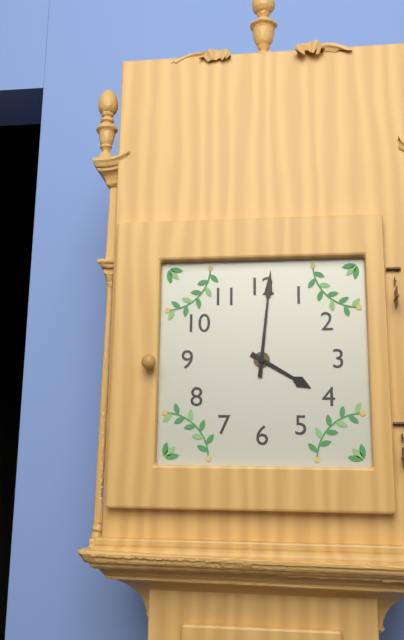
h=4 m=1
